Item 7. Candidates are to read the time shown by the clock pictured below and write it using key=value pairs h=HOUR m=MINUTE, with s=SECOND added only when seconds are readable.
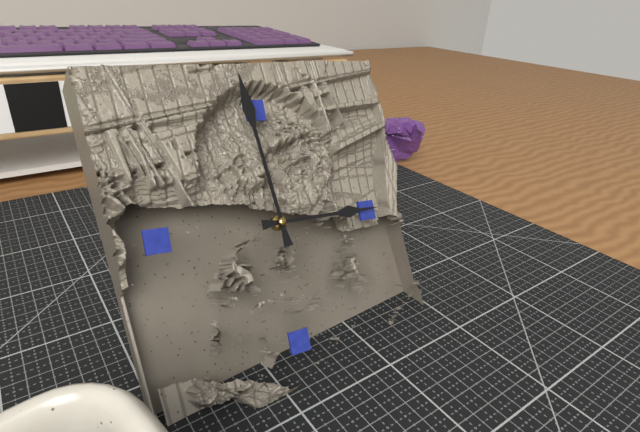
h=2 m=59
